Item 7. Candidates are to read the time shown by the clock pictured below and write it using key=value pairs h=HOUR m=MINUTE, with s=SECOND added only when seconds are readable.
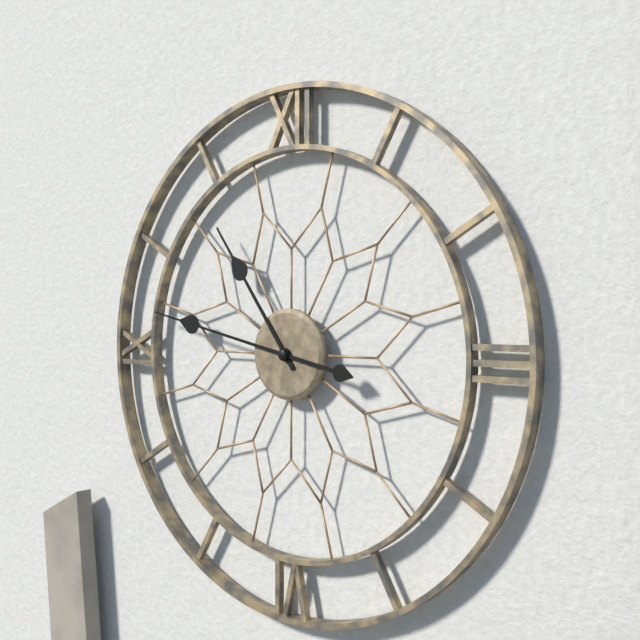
h=10 m=47
